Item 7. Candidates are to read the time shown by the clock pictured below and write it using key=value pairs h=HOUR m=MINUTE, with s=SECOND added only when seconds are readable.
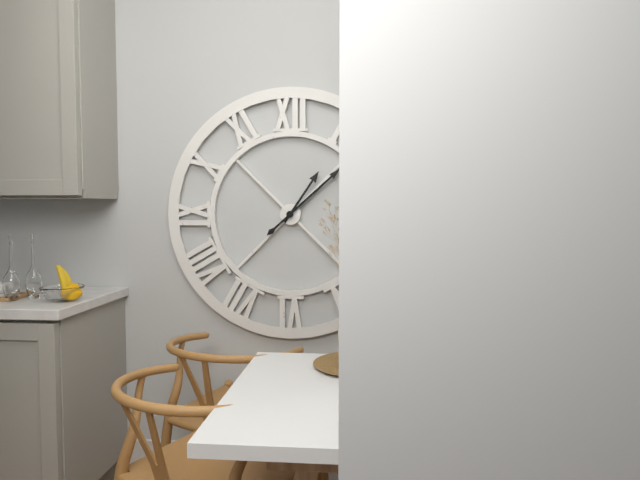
h=1 m=8
